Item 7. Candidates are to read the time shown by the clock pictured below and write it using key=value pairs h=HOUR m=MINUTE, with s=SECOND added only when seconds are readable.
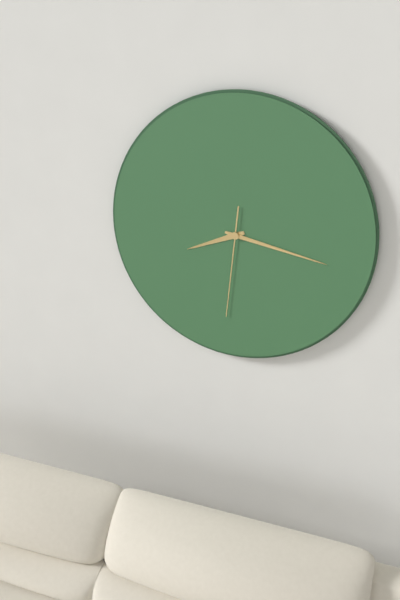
h=8 m=17 s=31
